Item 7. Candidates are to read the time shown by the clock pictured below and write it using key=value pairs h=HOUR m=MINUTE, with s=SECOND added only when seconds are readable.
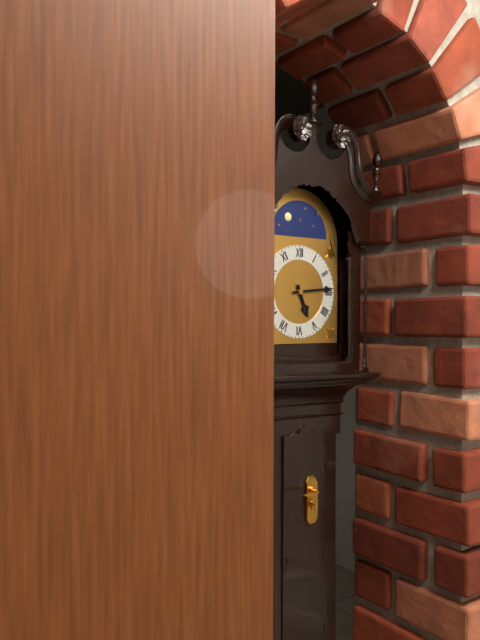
h=5 m=14
